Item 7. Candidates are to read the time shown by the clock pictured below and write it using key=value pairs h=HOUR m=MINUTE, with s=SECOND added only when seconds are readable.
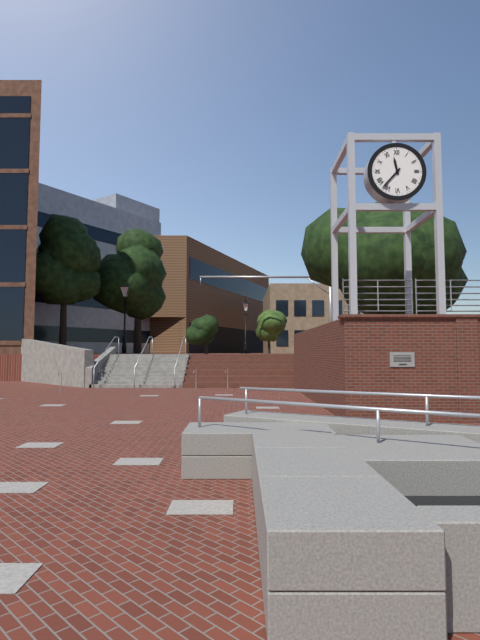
h=11 m=37
